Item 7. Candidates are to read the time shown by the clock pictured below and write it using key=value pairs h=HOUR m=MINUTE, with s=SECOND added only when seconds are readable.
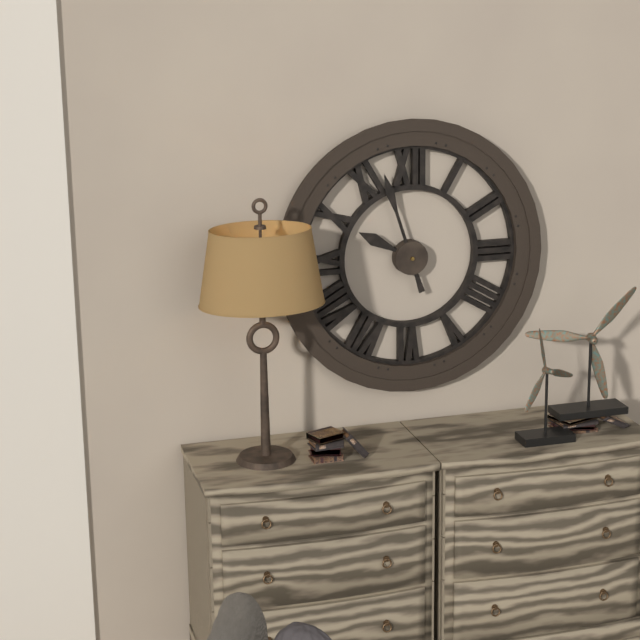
h=9 m=57
